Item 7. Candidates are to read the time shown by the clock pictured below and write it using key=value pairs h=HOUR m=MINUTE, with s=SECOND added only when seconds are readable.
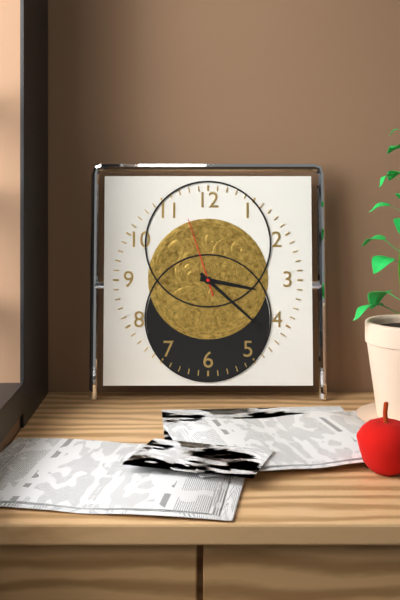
h=3 m=22 s=57
